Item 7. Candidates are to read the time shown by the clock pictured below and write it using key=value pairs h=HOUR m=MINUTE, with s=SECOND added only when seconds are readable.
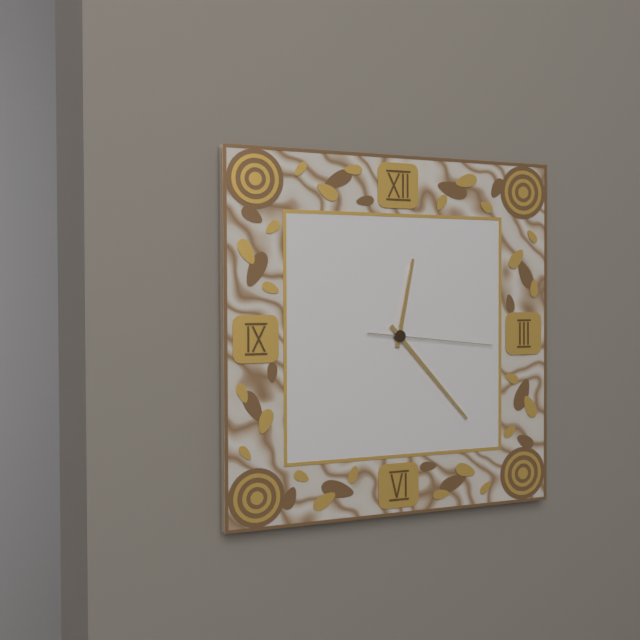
h=12 m=23 s=16
